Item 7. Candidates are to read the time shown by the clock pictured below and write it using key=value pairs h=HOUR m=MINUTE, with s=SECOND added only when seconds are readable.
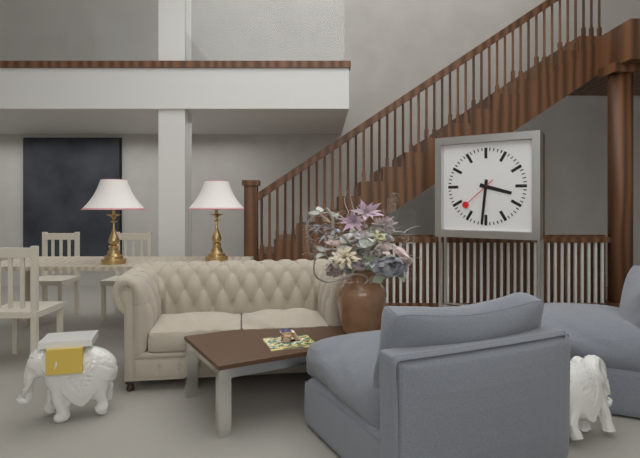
h=3 m=31
